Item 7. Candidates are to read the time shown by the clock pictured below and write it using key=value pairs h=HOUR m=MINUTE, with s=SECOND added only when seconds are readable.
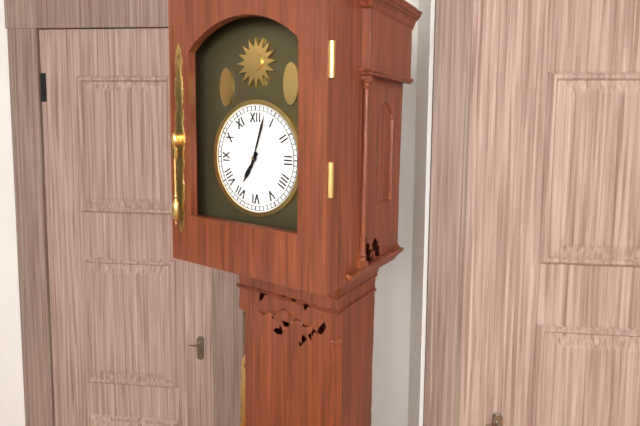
h=7 m=3
